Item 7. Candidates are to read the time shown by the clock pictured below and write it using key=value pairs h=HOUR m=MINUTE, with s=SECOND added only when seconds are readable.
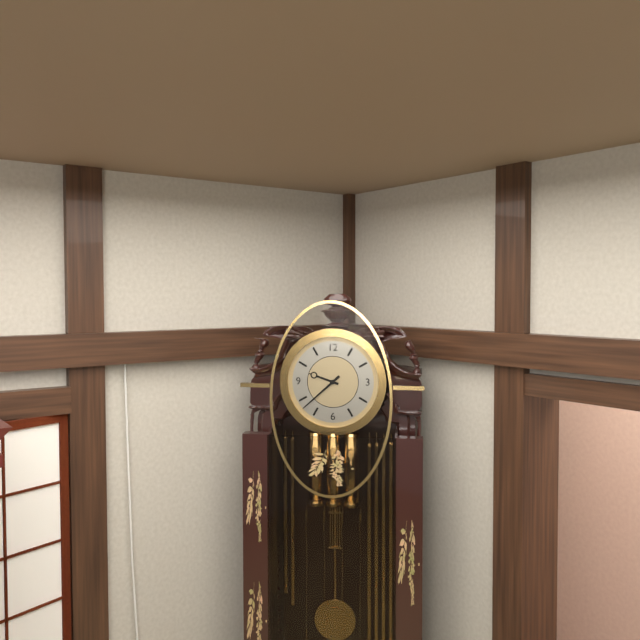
h=9 m=38
